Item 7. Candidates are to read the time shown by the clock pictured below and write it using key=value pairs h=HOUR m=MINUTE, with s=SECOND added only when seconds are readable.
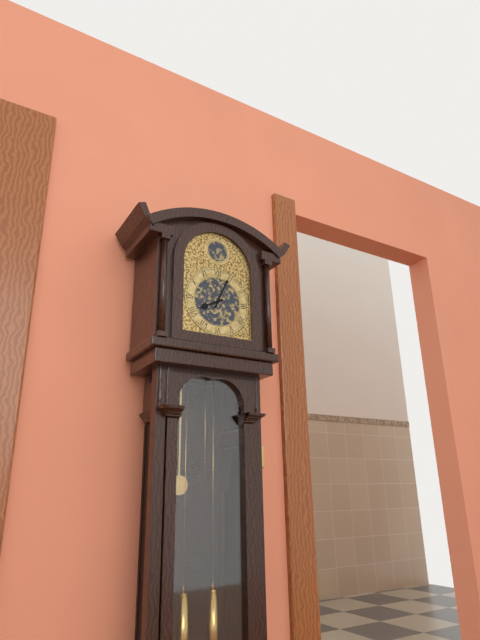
h=8 m=4
